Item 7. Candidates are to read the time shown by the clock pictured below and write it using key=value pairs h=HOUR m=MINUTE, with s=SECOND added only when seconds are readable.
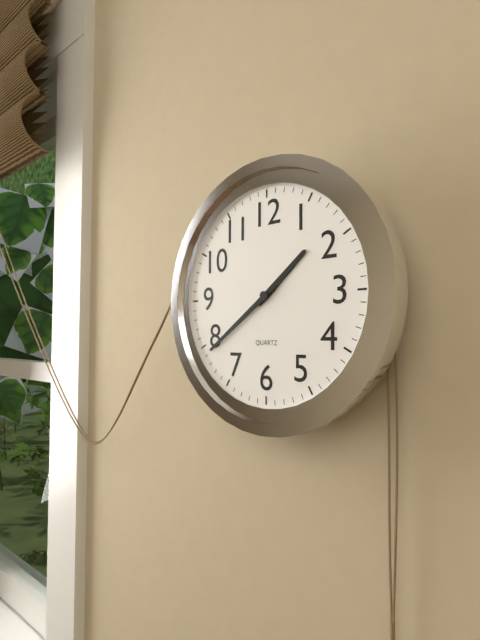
h=1 m=39
